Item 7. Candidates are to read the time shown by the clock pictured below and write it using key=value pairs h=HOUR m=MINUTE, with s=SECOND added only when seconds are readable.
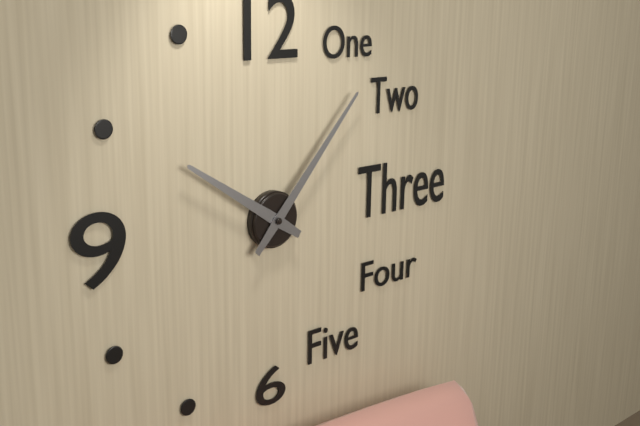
h=10 m=7
